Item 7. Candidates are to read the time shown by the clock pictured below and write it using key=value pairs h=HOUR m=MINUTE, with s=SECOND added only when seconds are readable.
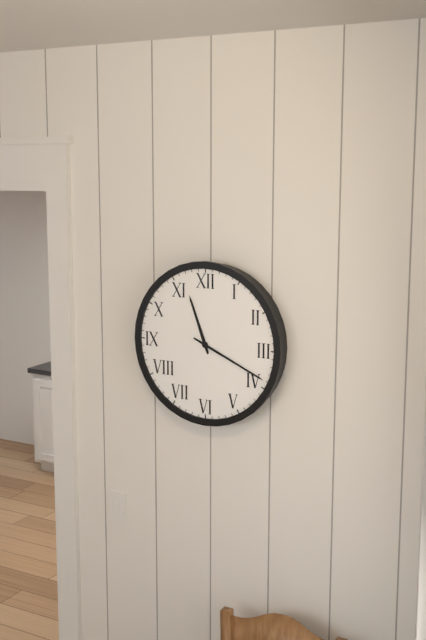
h=11 m=19
